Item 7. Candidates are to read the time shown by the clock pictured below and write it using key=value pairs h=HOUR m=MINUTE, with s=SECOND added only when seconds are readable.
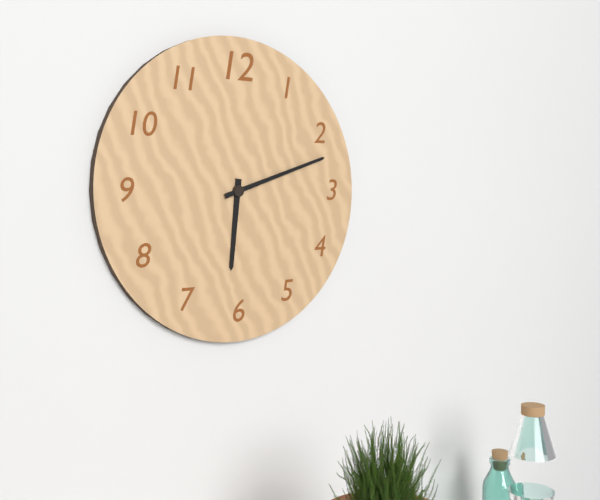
h=6 m=12
